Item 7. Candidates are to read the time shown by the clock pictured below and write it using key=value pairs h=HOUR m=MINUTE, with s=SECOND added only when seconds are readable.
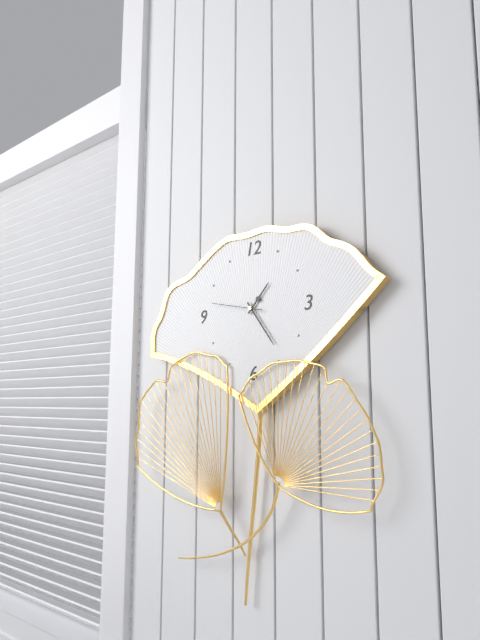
h=1 m=24
